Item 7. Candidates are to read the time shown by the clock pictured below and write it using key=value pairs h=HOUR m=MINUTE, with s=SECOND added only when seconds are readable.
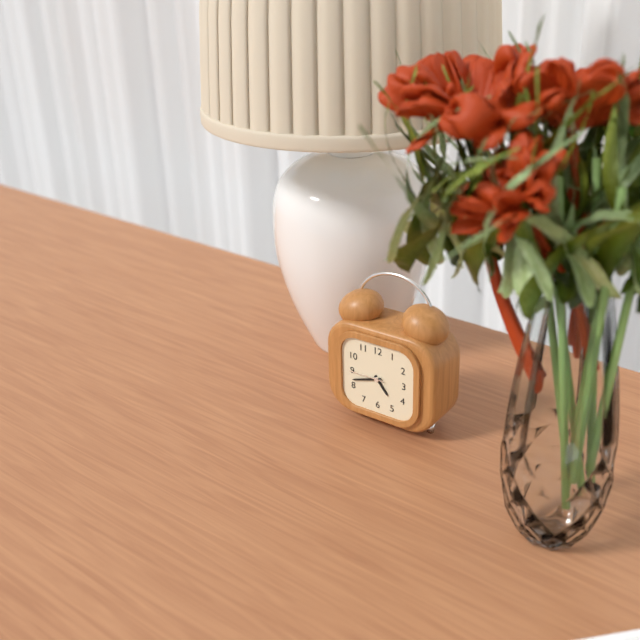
h=4 m=42
